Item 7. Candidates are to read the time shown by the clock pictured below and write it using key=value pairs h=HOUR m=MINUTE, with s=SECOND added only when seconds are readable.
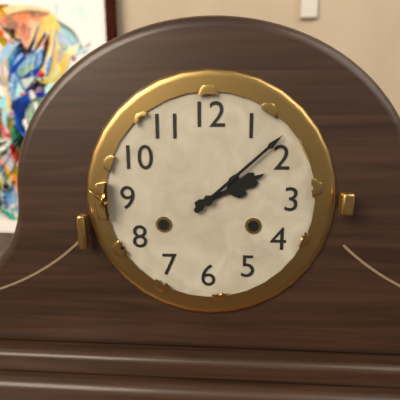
h=2 m=8
